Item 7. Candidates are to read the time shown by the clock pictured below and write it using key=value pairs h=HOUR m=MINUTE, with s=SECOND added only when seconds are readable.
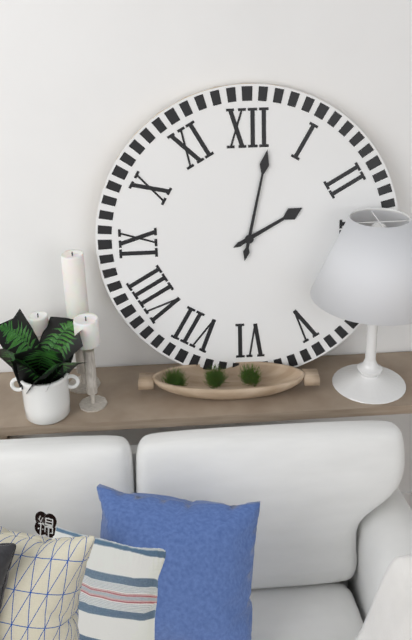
h=2 m=2
